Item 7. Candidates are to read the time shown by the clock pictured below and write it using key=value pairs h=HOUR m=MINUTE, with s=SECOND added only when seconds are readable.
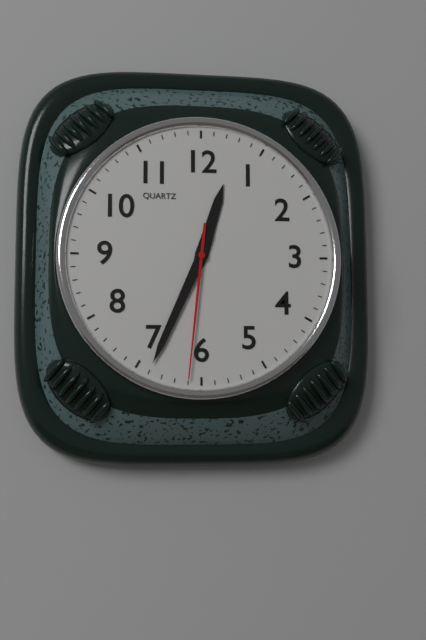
h=12 m=34 s=31
